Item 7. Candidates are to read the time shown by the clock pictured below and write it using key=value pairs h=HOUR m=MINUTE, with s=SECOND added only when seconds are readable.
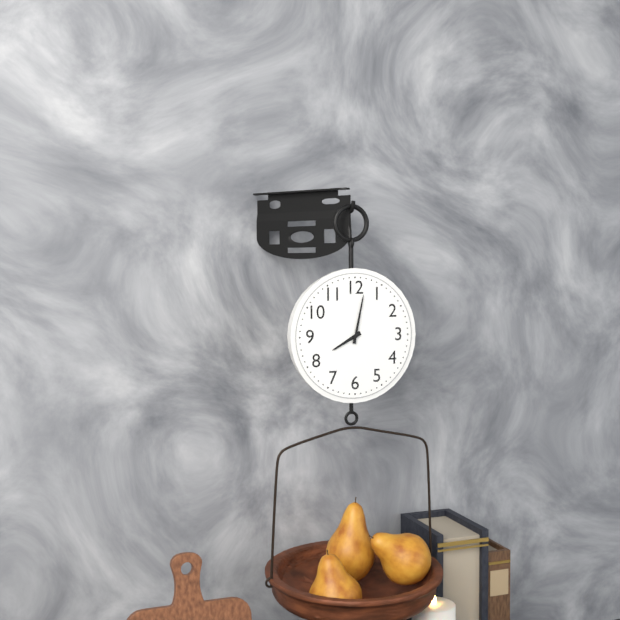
h=8 m=2
